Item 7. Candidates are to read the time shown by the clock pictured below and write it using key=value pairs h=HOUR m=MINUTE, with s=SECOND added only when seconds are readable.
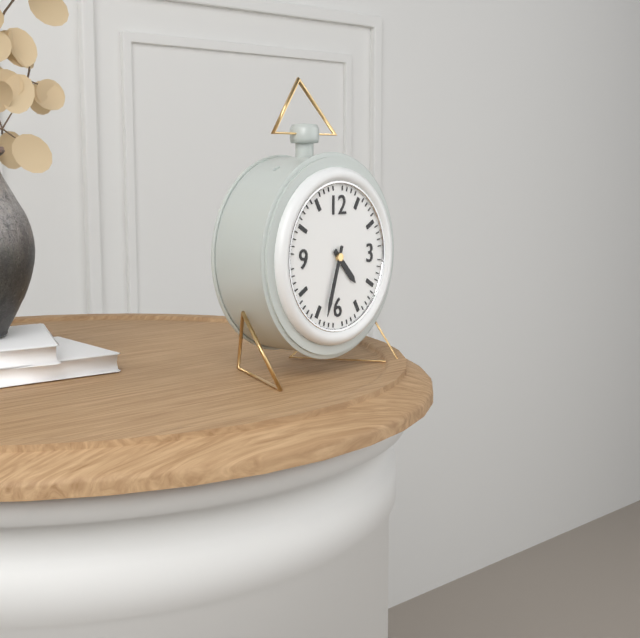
h=4 m=33
